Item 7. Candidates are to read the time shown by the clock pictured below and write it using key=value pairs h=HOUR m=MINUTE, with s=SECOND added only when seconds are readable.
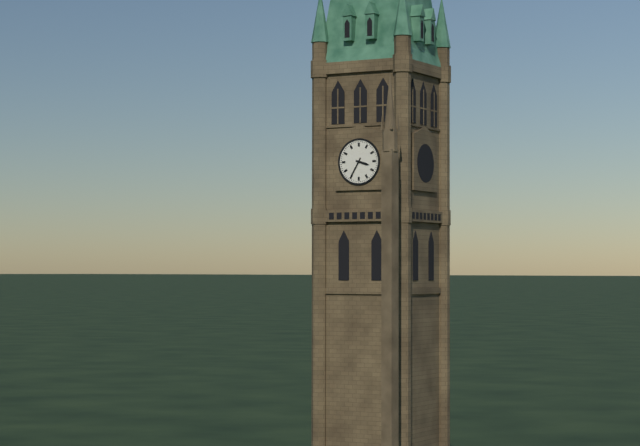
h=3 m=35
